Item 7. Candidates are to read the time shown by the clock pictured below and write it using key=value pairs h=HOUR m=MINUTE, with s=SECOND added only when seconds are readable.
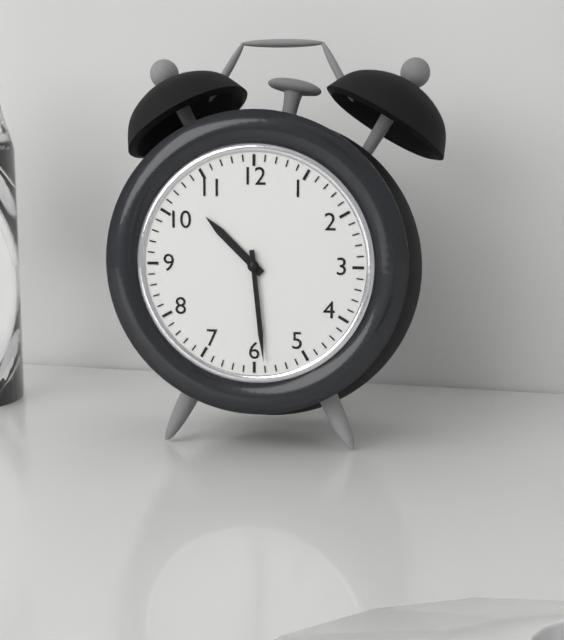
h=10 m=29
